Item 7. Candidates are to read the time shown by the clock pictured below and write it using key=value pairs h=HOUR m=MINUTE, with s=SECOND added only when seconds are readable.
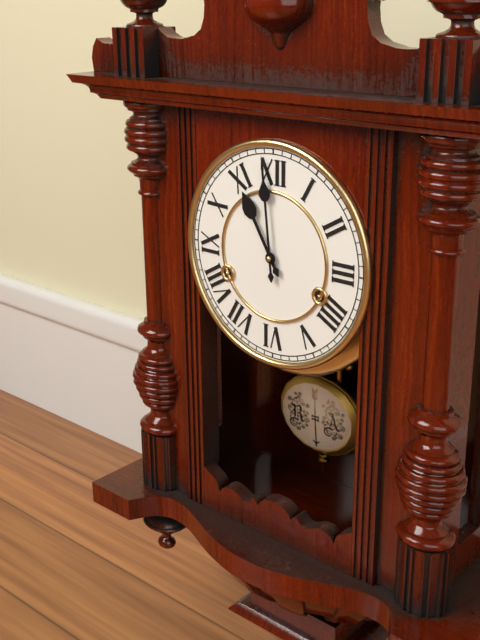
h=10 m=59
